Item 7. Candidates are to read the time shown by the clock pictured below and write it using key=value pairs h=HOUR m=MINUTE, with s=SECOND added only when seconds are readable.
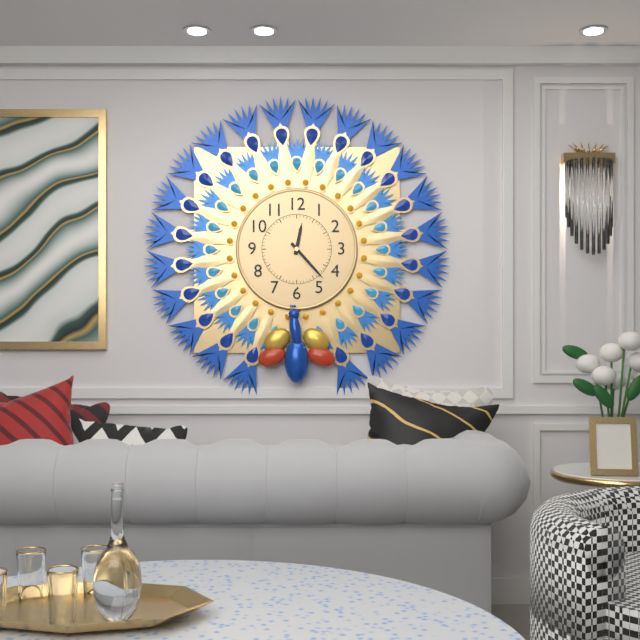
h=12 m=23
